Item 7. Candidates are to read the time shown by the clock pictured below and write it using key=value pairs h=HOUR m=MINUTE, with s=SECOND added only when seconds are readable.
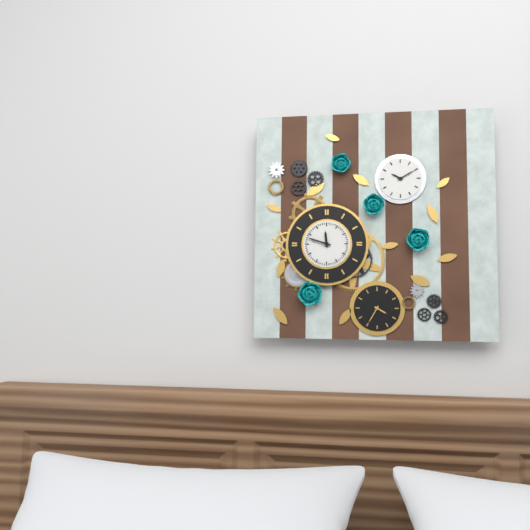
h=11 m=48
